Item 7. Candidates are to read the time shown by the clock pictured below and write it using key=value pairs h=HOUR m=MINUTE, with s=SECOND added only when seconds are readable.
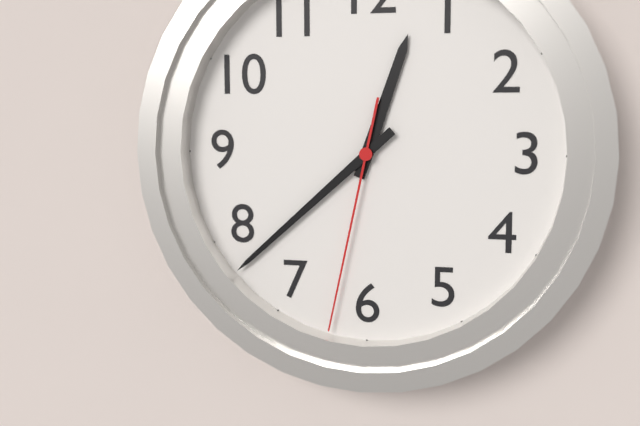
h=12 m=38 s=32
